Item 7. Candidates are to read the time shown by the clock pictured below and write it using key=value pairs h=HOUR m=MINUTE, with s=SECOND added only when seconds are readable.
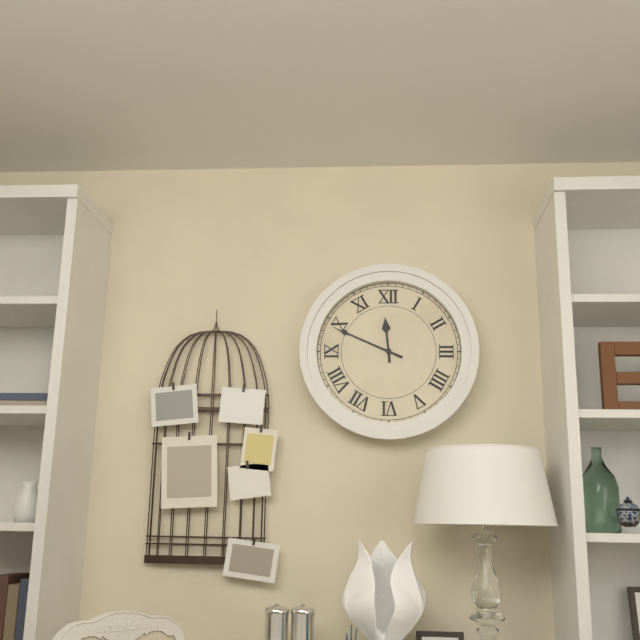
h=11 m=49
